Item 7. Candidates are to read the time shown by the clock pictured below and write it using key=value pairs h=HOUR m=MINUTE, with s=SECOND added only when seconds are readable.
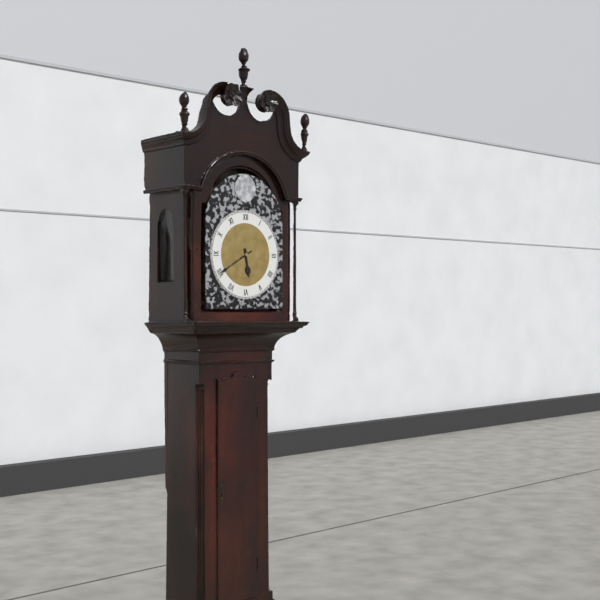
h=5 m=40
